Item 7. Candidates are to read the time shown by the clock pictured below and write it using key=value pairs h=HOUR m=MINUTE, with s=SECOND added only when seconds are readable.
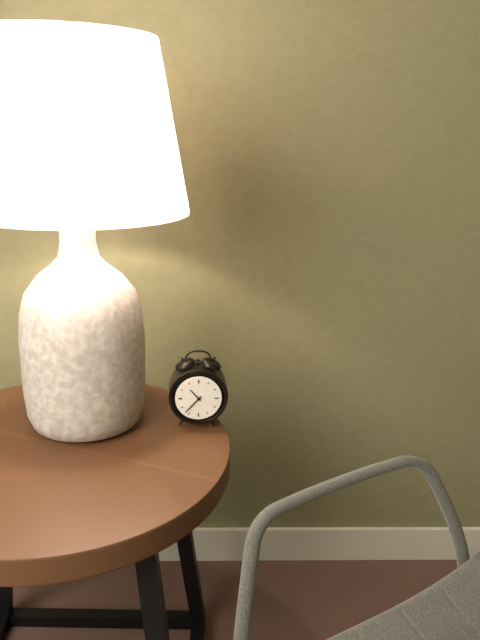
h=10 m=37
